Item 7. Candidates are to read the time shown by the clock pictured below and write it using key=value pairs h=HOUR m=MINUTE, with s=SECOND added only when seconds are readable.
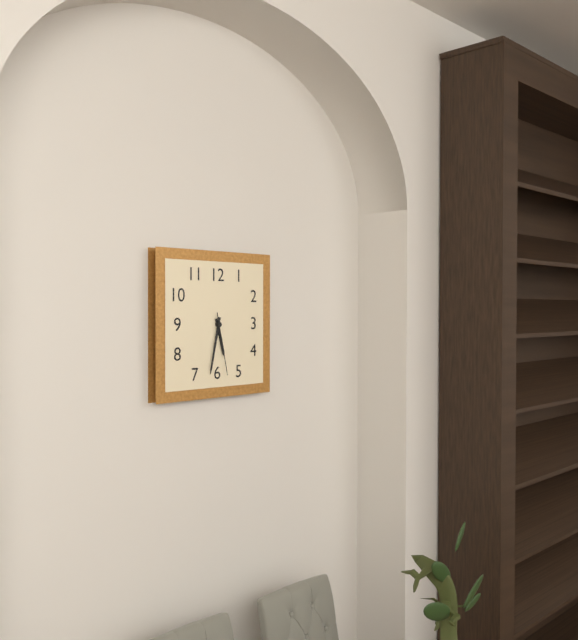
h=5 m=32 s=28
